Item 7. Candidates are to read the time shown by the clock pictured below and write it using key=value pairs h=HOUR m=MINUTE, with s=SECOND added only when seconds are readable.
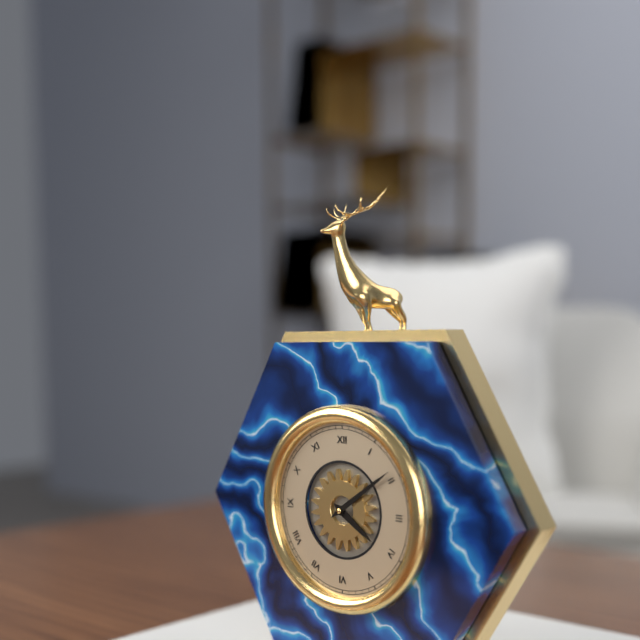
h=4 m=9
